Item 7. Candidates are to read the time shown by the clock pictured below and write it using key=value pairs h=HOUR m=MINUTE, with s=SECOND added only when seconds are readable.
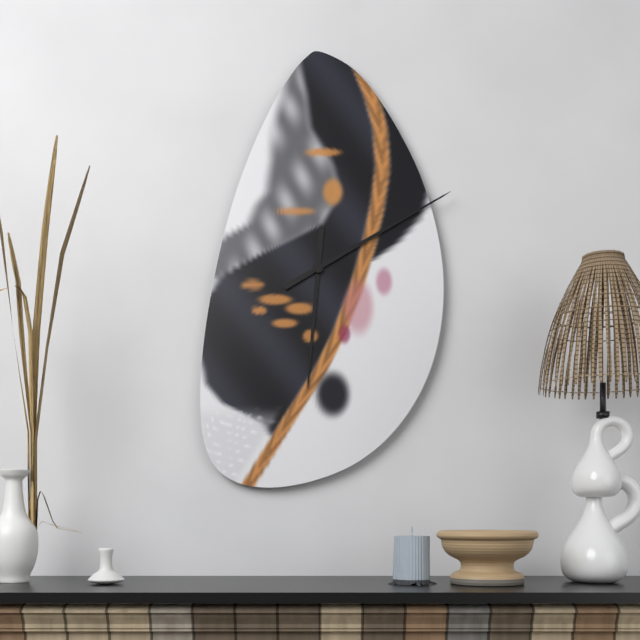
h=6 m=10
